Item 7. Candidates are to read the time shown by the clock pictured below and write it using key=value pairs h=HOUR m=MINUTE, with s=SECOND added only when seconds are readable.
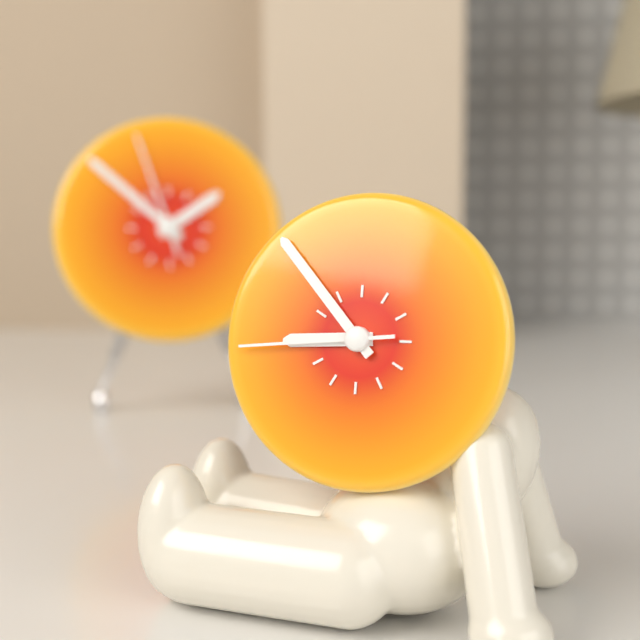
h=8 m=53 s=44
